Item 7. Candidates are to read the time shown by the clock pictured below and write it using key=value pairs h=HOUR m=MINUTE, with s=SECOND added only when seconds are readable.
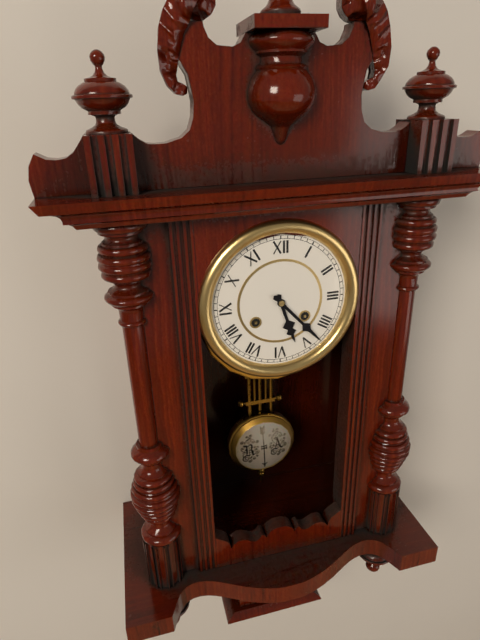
h=5 m=23
